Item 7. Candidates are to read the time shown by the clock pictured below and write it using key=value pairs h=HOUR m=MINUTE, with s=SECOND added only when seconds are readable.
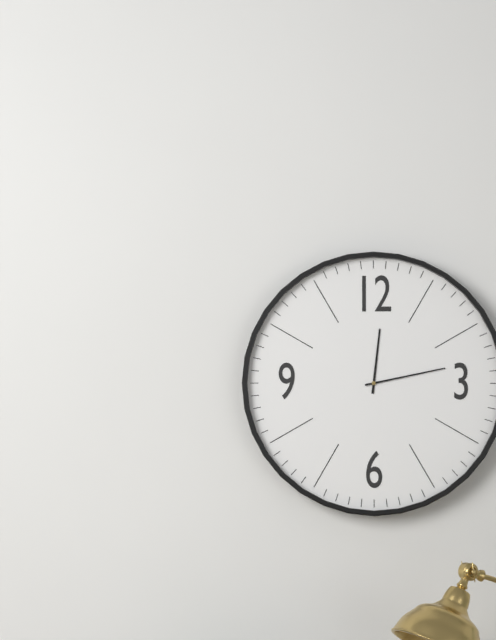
h=12 m=13
